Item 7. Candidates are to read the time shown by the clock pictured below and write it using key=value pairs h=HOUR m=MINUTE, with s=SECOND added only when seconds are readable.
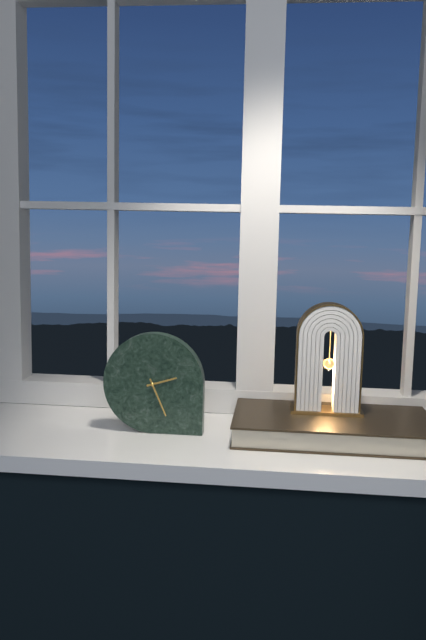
h=2 m=26
